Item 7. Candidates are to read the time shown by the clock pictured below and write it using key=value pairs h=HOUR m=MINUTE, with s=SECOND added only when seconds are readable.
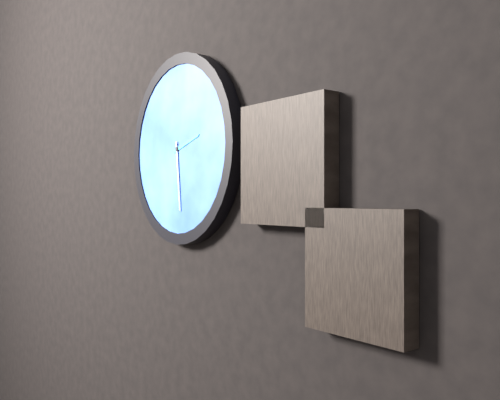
h=2 m=29
